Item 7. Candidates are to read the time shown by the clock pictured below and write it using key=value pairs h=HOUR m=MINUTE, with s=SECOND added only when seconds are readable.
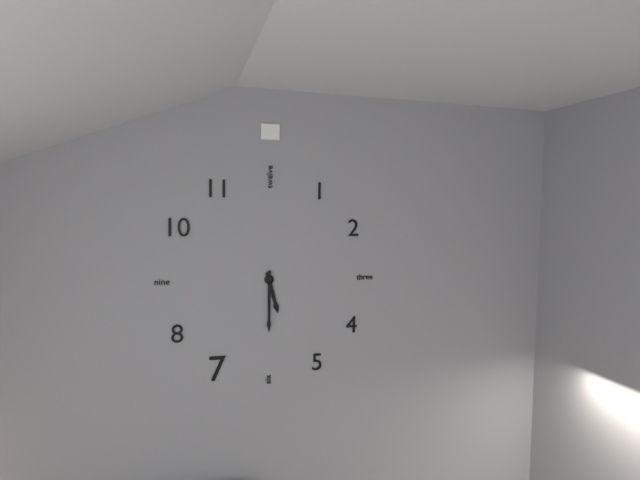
h=5 m=30
